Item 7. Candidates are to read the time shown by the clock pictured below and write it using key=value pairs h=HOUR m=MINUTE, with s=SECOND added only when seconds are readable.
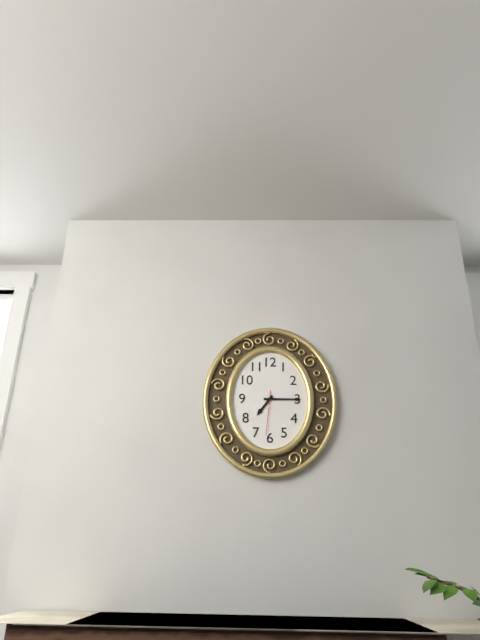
h=7 m=15
